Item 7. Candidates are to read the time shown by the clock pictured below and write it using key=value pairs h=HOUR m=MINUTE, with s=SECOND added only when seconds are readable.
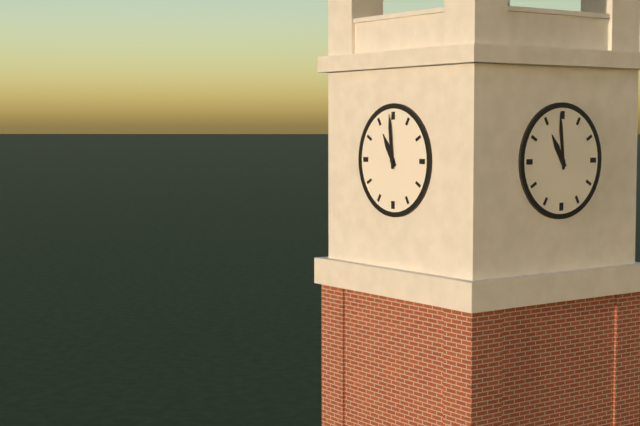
h=10 m=59
